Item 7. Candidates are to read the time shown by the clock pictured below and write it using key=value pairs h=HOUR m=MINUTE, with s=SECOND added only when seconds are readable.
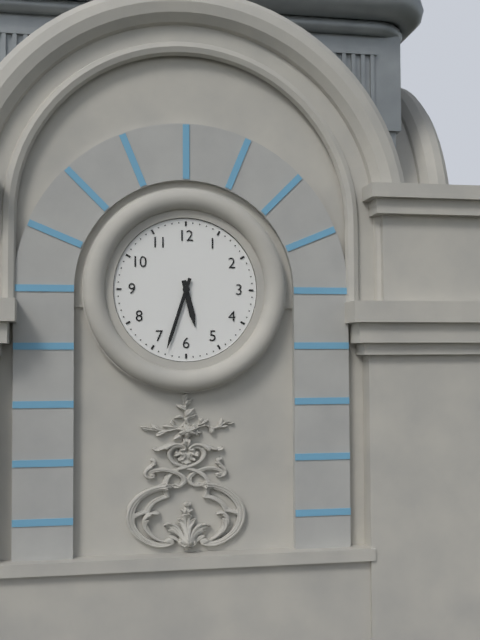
h=5 m=33
